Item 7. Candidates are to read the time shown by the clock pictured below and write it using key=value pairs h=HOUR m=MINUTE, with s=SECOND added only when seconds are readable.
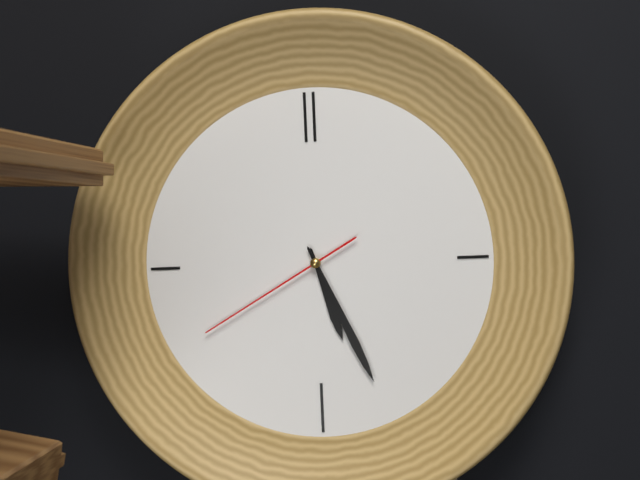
h=5 m=26 s=40
